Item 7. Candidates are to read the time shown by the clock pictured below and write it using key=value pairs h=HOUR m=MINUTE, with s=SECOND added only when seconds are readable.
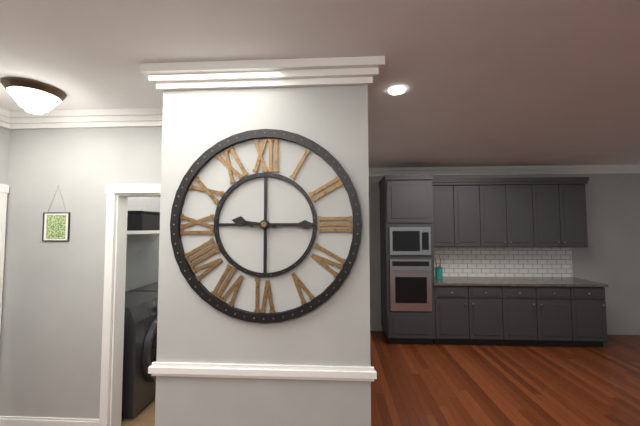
h=9 m=15
